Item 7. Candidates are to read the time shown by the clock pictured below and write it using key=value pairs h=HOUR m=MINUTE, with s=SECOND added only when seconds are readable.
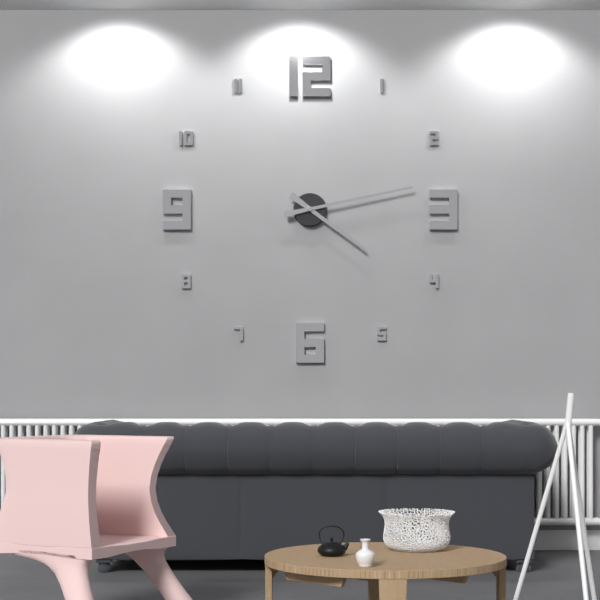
h=4 m=13
